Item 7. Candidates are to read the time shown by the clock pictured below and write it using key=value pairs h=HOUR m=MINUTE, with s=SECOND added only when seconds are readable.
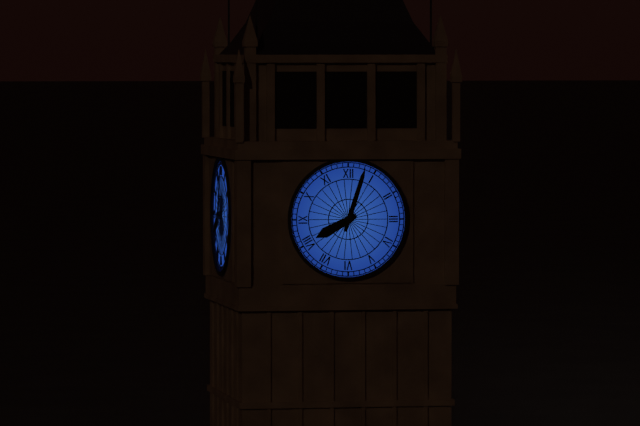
h=8 m=3
